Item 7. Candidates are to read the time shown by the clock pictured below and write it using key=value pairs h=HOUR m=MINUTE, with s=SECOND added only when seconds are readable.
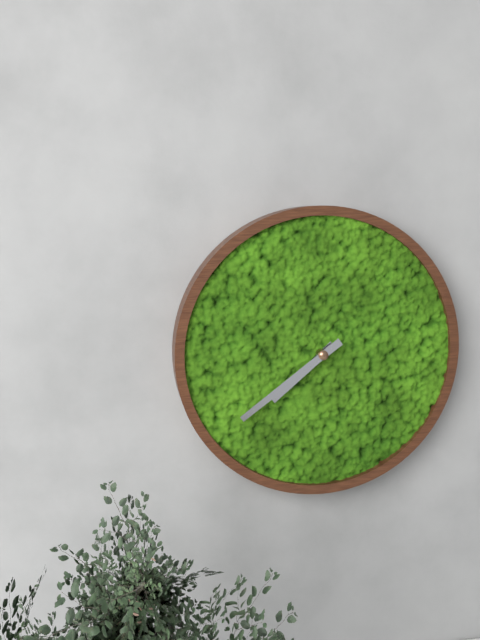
h=7 m=39
